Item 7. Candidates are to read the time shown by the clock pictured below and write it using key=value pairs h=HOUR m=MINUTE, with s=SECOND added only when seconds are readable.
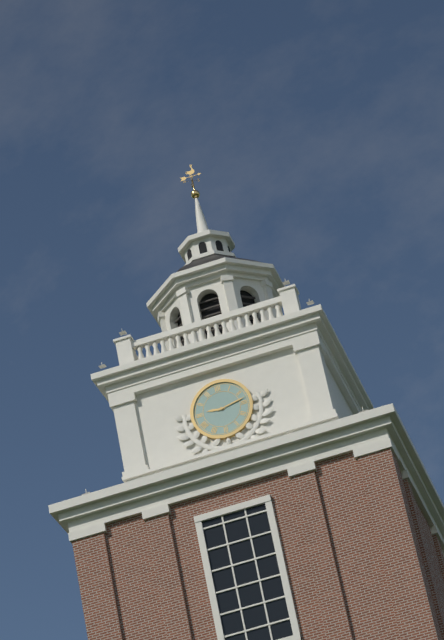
h=9 m=13
